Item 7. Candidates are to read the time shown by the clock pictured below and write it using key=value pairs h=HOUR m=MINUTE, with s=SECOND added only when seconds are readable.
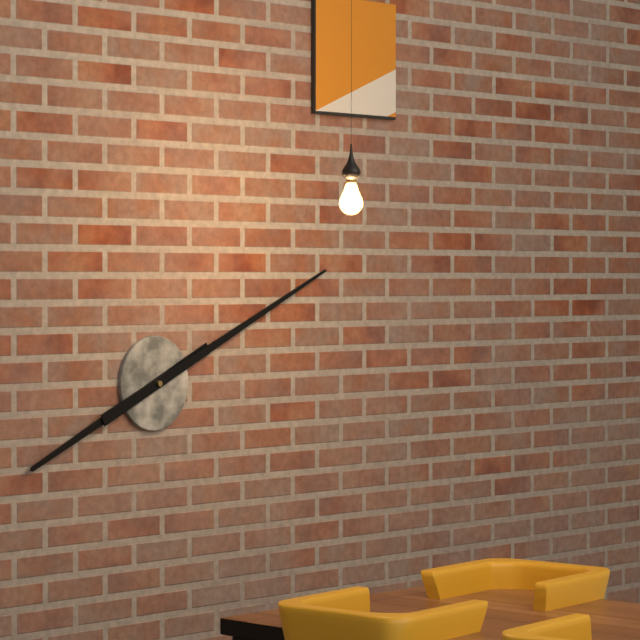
h=8 m=11
